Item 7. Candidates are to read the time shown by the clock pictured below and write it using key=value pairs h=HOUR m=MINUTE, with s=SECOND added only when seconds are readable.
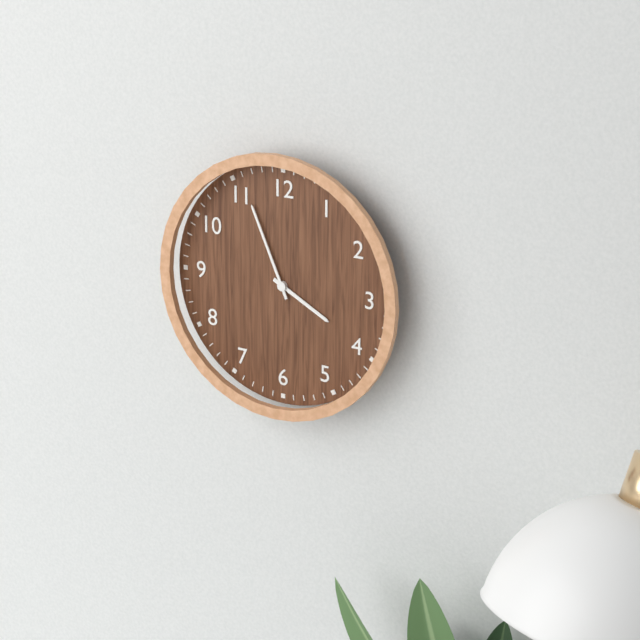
h=3 m=56
